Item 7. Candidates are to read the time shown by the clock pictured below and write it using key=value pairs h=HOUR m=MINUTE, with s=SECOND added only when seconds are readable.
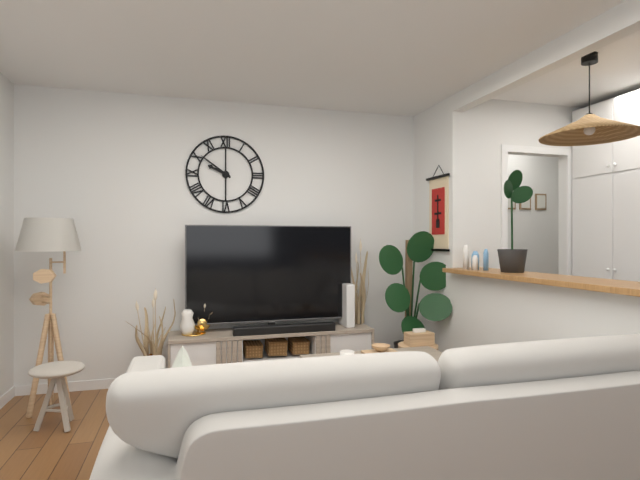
h=9 m=51
